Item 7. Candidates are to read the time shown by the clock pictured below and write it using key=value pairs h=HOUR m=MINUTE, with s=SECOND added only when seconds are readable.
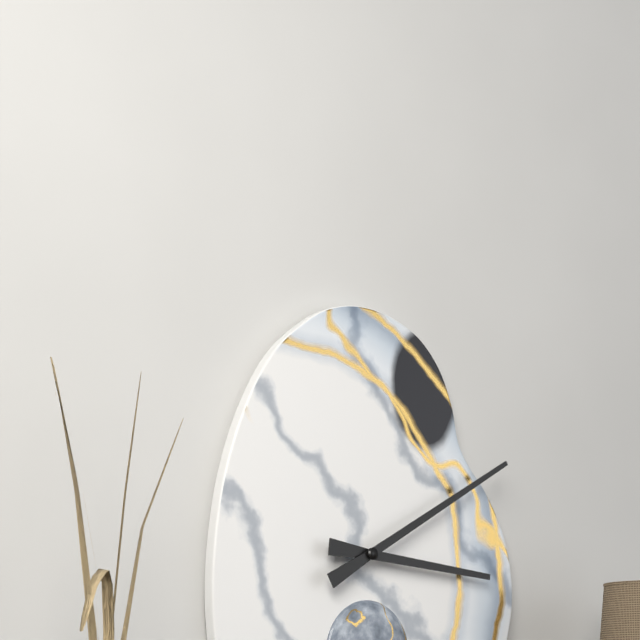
h=3 m=10
